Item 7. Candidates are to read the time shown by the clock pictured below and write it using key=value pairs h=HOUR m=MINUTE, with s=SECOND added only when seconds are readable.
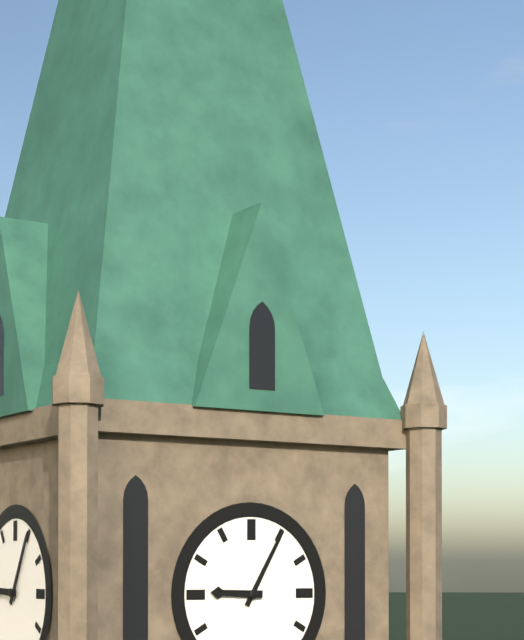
h=9 m=5
